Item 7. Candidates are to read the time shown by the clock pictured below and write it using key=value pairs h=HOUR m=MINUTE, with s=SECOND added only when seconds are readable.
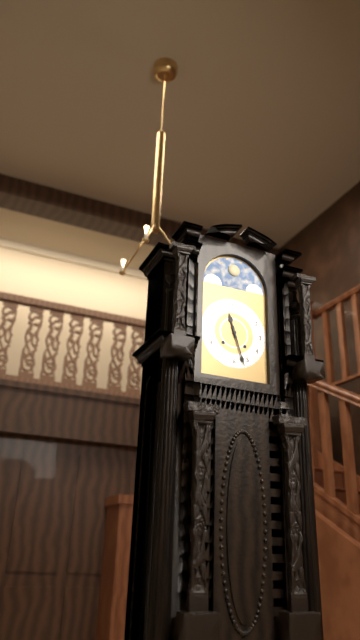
h=11 m=27
